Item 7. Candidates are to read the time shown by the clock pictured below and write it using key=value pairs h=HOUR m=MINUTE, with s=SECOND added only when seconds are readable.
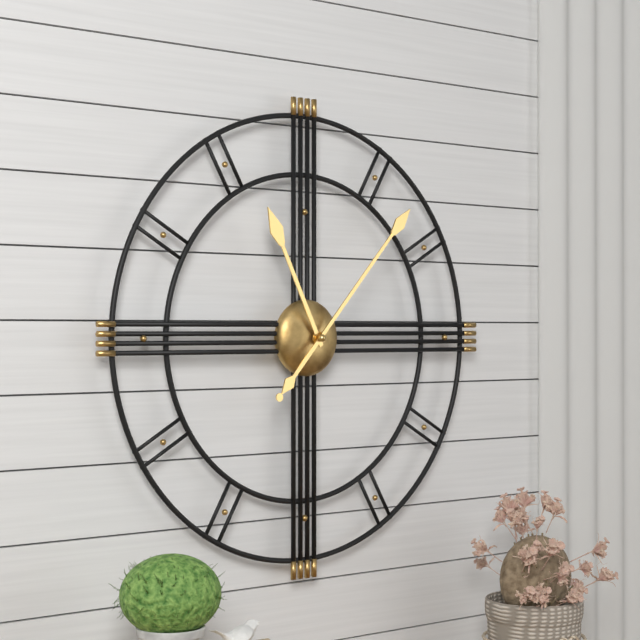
h=11 m=7
